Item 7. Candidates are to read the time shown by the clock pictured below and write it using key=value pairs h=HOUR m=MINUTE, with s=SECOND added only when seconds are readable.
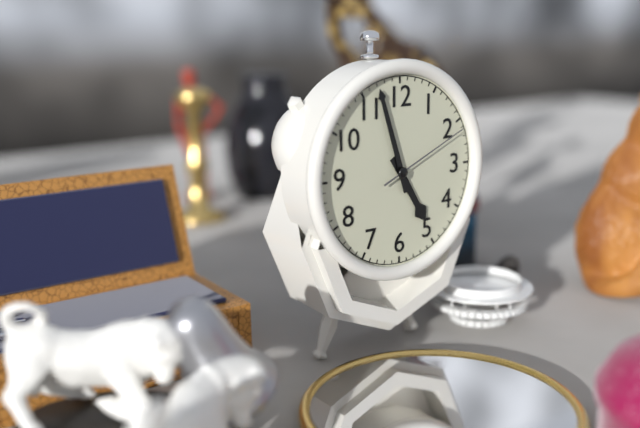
h=4 m=57 s=11
